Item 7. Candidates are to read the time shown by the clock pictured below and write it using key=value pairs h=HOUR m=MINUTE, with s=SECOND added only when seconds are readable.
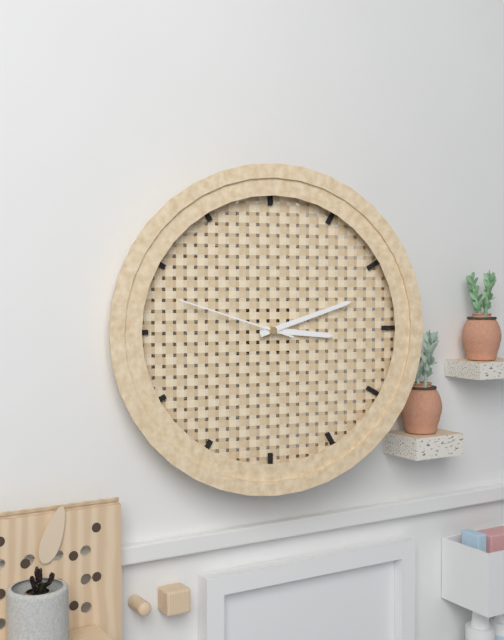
h=3 m=12 s=48
